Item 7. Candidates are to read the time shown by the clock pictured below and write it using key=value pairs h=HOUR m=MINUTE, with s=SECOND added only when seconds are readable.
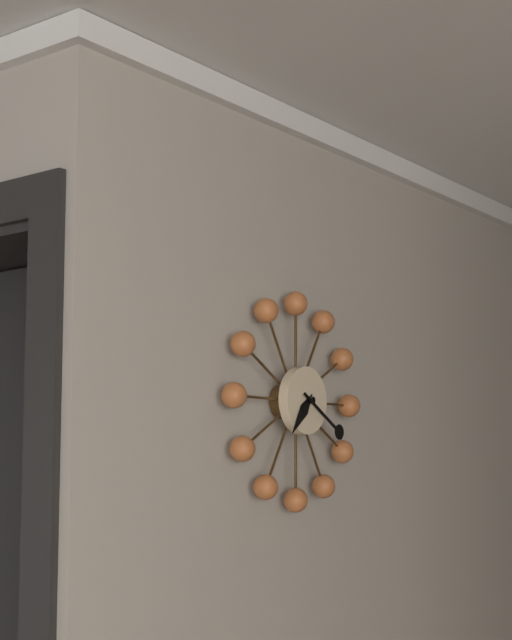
h=7 m=20
